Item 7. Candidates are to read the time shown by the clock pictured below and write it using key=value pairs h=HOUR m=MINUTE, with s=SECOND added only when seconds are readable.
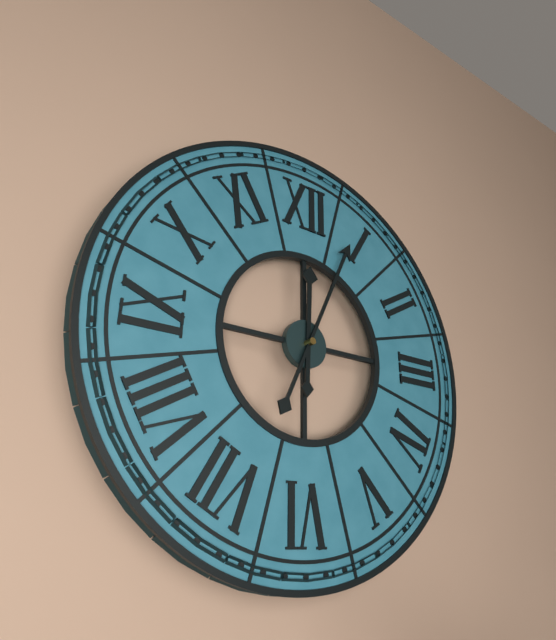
h=12 m=4
